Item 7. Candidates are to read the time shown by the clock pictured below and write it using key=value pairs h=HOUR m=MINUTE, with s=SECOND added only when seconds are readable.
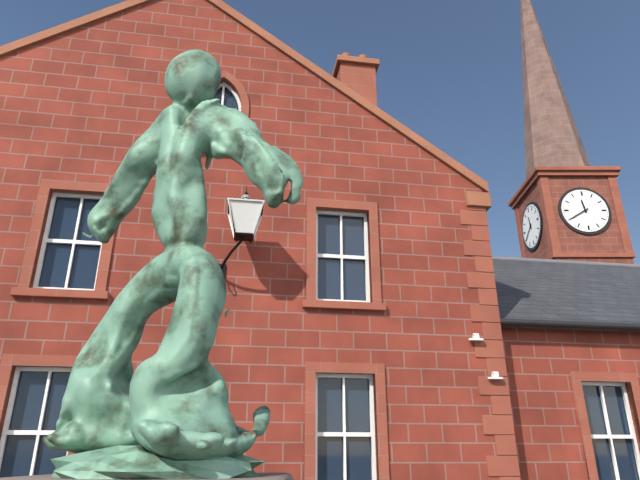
h=11 m=40
